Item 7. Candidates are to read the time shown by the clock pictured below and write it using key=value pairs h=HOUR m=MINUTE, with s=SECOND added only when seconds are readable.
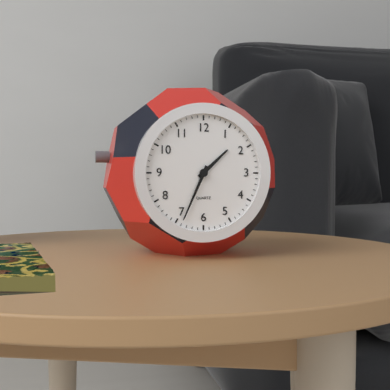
h=1 m=34
